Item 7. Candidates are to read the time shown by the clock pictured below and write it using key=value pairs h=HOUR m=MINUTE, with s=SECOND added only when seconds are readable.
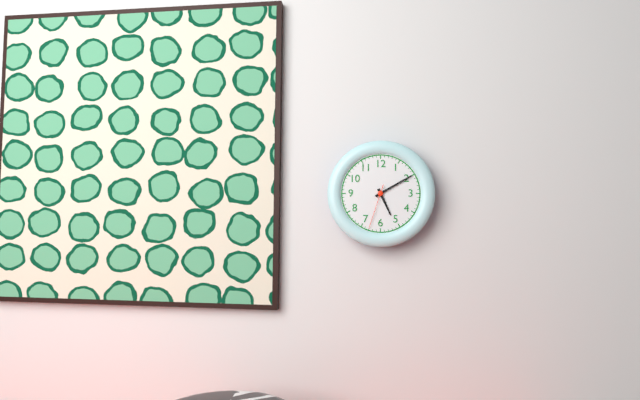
h=5 m=10
